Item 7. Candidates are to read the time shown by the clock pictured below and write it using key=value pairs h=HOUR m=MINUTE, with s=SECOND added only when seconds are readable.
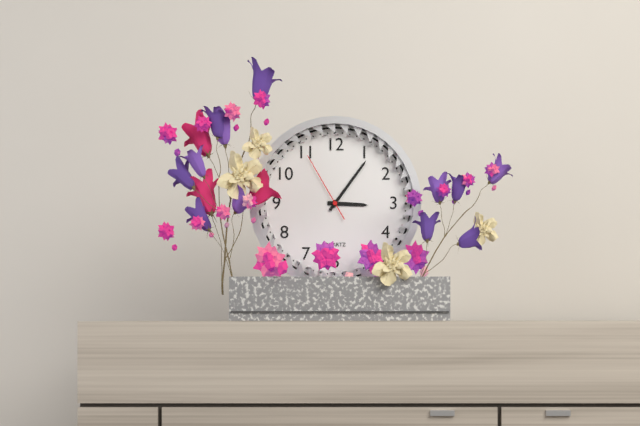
h=3 m=6 s=55
